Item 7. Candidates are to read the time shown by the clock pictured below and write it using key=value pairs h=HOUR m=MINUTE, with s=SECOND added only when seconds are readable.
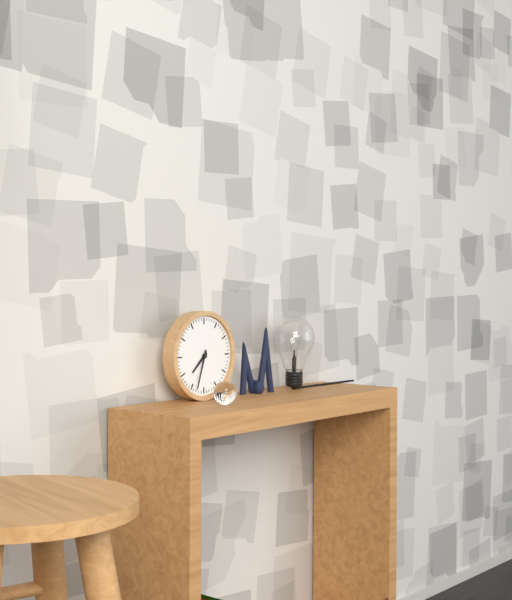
h=7 m=33
